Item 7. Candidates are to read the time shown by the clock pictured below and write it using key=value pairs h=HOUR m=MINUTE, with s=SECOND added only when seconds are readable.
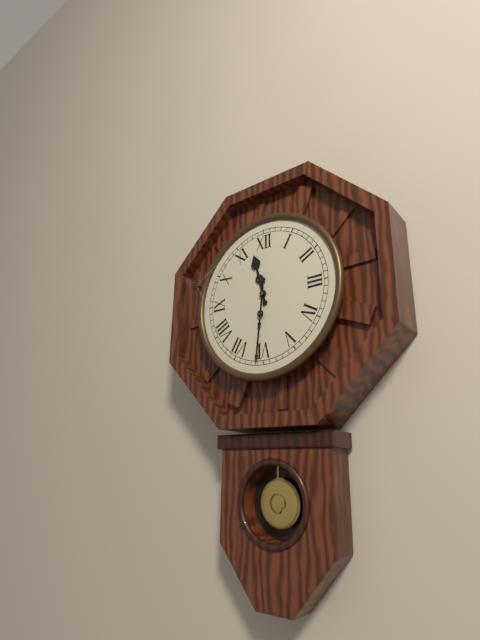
h=11 m=31
